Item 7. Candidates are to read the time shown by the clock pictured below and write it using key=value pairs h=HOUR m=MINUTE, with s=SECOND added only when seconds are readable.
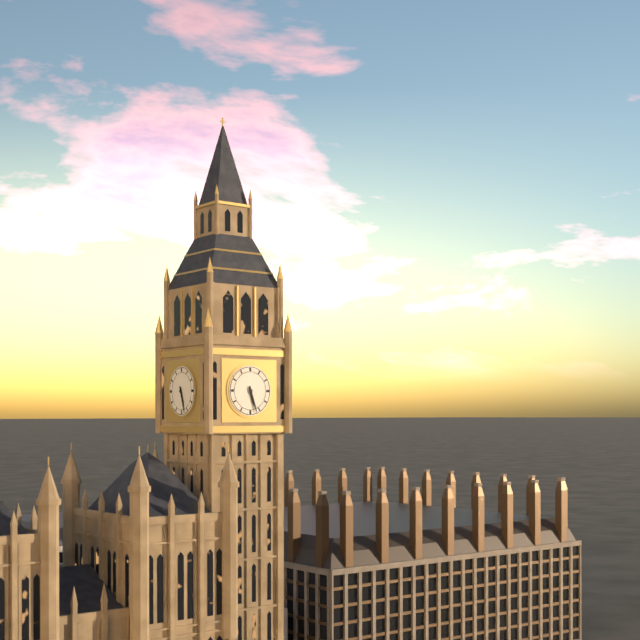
h=5 m=27
